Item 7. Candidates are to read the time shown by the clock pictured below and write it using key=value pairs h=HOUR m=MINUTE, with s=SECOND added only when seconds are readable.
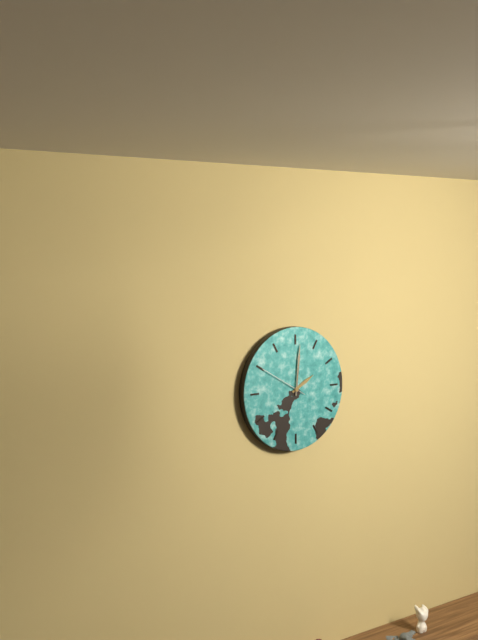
h=2 m=1
